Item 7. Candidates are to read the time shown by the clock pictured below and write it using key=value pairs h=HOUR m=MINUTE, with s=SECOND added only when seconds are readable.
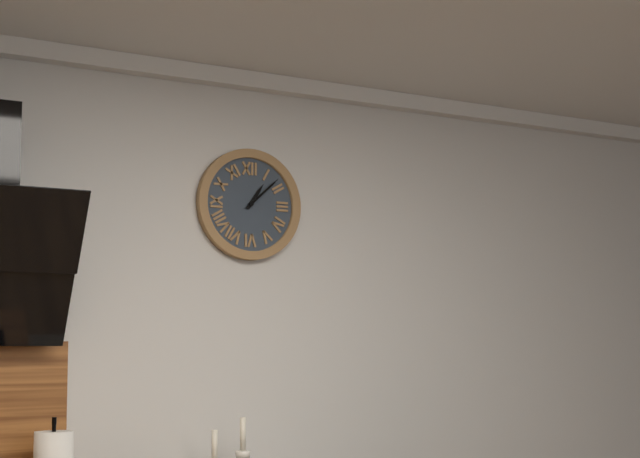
h=1 m=8
